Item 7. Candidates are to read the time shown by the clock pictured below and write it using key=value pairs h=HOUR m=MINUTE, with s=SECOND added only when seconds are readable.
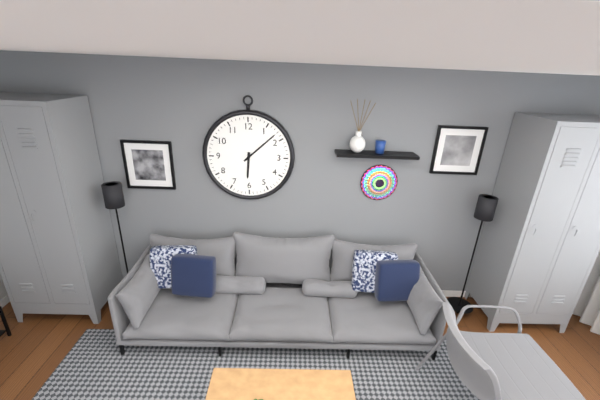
h=6 m=8
